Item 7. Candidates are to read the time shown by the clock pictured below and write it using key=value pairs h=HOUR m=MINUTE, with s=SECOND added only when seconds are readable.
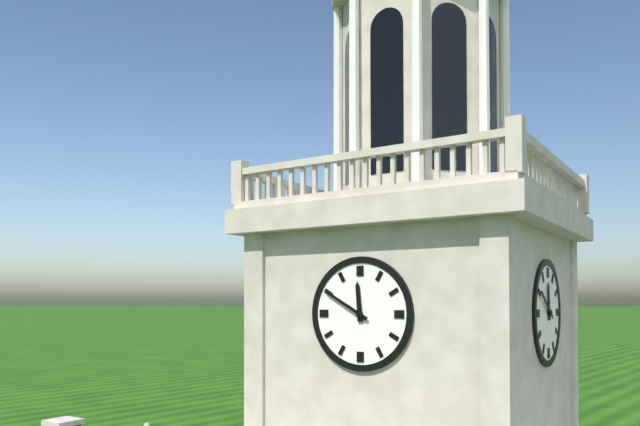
h=11 m=50
